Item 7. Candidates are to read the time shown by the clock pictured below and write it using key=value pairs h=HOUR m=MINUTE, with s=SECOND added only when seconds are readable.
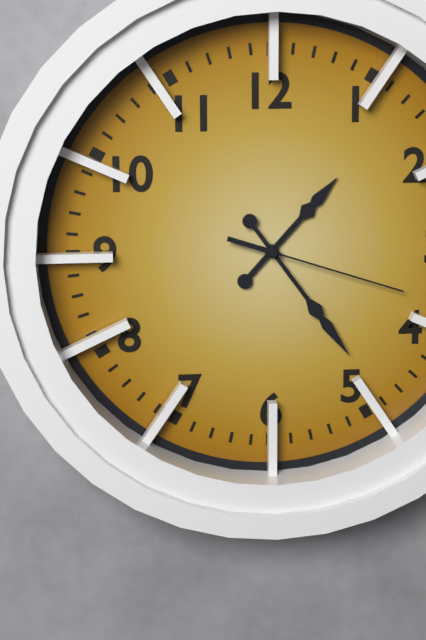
h=1 m=24 s=18
